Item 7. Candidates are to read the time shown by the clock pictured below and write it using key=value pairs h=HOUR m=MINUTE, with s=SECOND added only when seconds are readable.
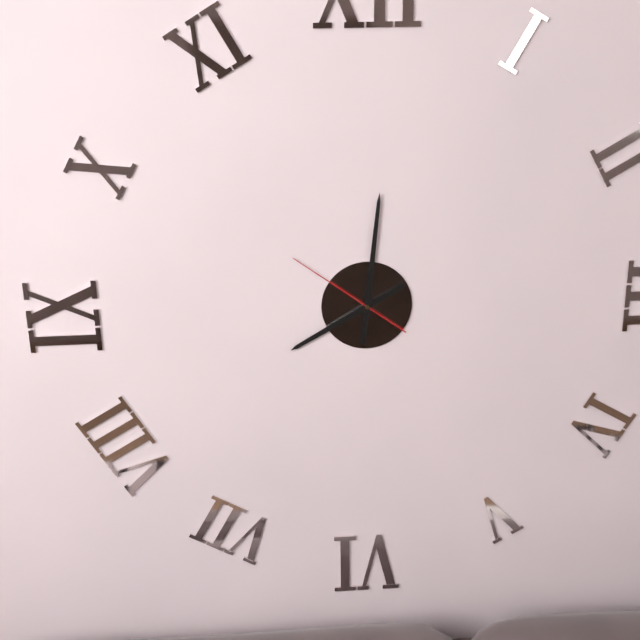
h=8 m=1 s=51
